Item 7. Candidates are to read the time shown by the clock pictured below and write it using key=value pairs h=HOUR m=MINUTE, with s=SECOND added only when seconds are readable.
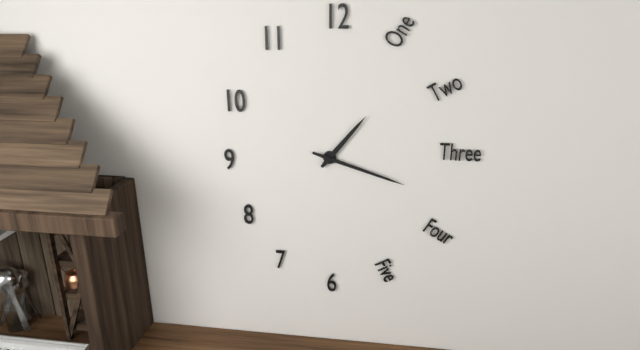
h=1 m=18
